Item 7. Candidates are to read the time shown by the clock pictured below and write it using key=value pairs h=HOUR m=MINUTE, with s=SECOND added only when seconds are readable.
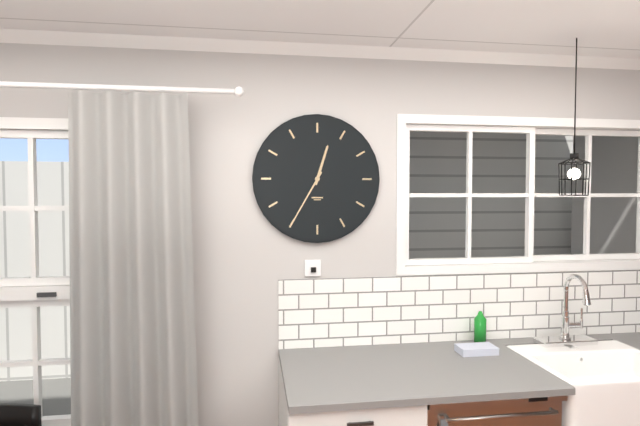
h=12 m=35
